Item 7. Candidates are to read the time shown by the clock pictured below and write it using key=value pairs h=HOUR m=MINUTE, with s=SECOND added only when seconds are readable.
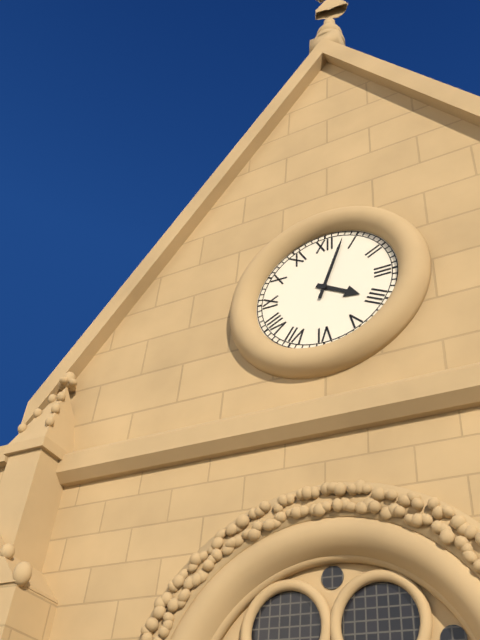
h=4 m=3
